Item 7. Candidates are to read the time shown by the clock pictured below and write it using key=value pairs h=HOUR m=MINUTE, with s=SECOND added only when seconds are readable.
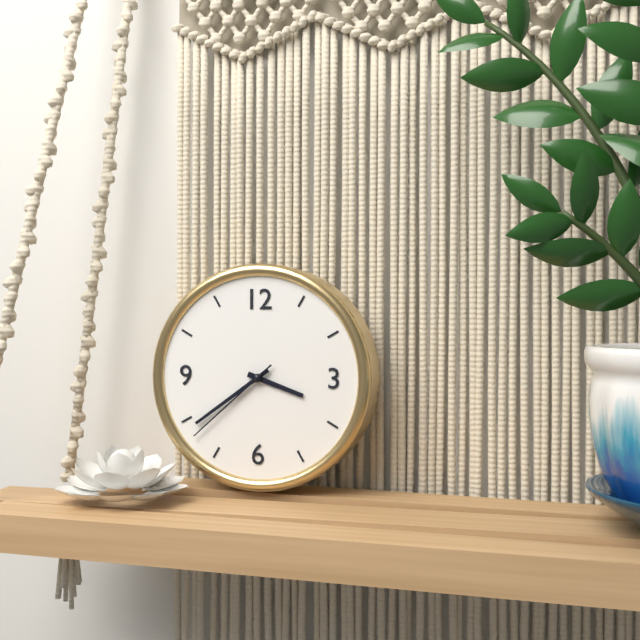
h=3 m=39 s=38
